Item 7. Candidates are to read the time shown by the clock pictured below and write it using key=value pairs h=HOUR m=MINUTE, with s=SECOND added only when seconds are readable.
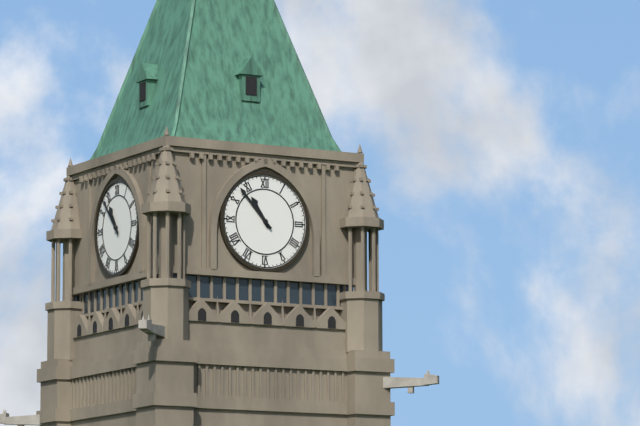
h=10 m=53
